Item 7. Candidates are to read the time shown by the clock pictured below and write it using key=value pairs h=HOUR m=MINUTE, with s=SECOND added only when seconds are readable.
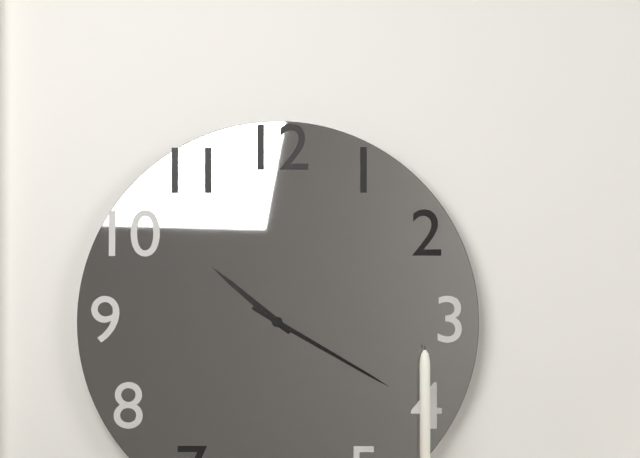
h=10 m=20
